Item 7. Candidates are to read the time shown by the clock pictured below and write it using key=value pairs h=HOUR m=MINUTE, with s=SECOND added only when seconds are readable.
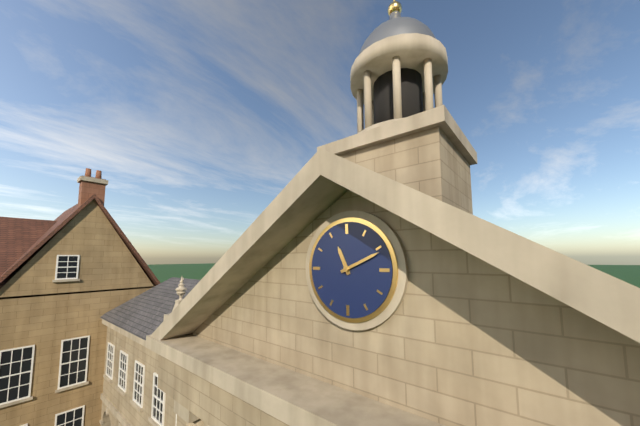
h=11 m=11
